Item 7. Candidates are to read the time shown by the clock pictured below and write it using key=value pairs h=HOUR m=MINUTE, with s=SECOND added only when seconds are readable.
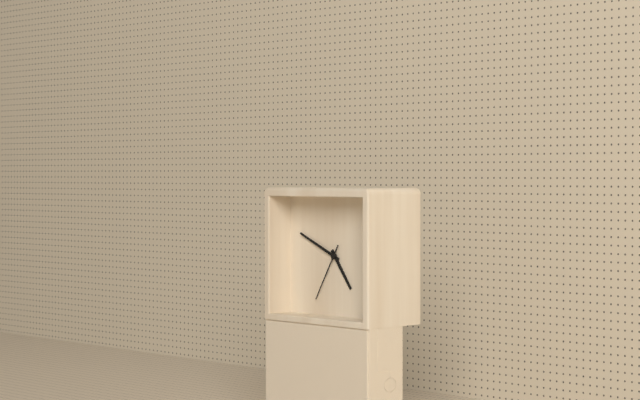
h=4 m=49 s=35
